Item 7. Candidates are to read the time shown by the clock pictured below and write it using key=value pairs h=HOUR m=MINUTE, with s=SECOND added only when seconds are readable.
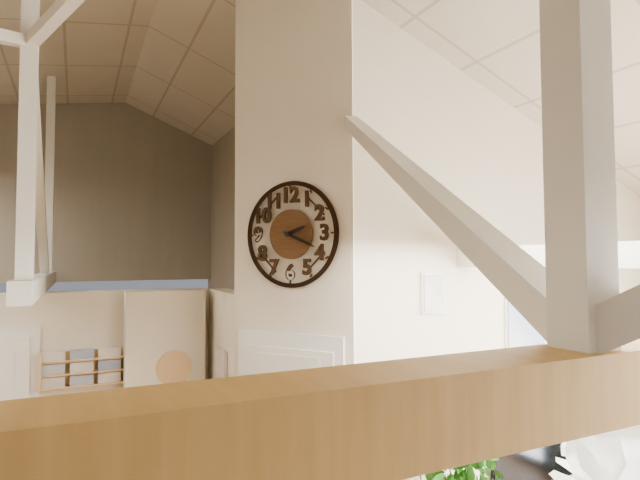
h=2 m=19
